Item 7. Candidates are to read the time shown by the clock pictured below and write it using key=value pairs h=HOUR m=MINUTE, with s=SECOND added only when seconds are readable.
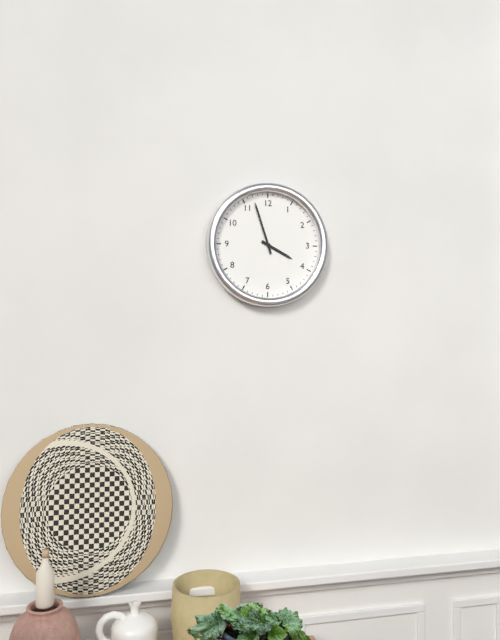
h=3 m=57
